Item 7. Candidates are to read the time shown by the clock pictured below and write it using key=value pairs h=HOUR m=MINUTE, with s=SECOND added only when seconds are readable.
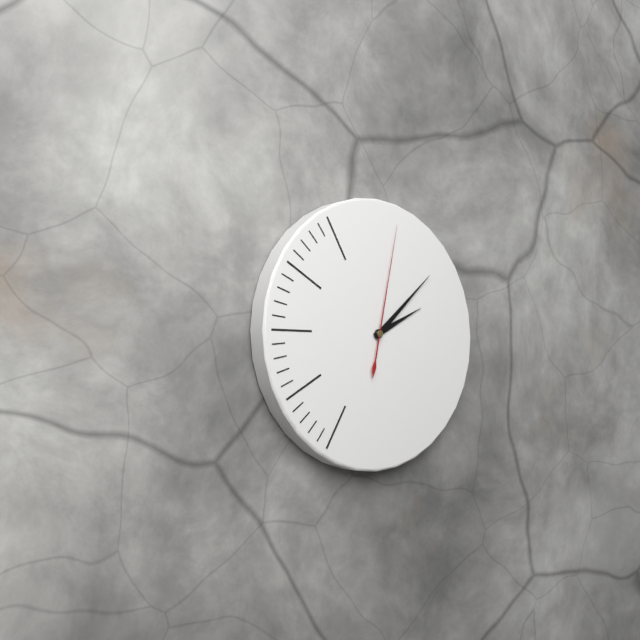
h=2 m=8 s=2
